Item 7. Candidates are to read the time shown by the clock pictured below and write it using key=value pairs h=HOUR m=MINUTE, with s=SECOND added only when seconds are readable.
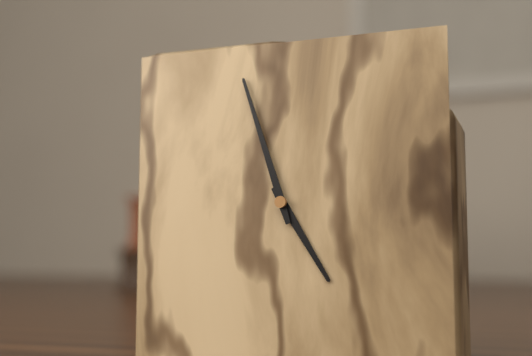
h=4 m=57
